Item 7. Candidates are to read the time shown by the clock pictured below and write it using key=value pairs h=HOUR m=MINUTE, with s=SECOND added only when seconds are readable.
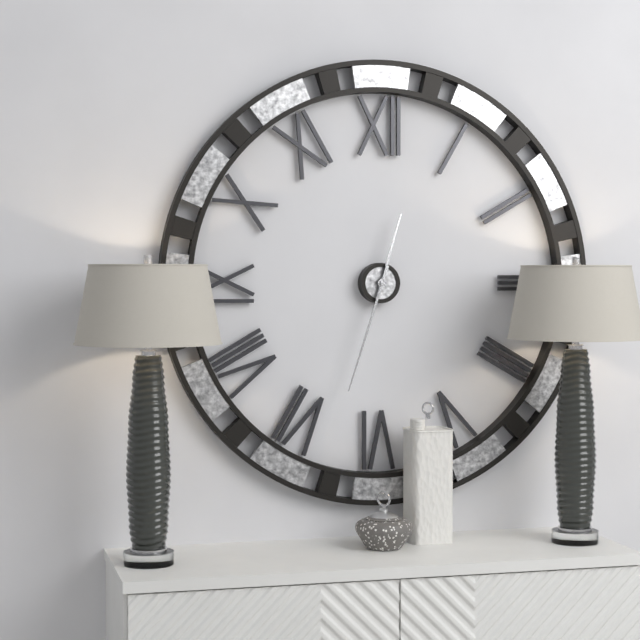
h=12 m=33
